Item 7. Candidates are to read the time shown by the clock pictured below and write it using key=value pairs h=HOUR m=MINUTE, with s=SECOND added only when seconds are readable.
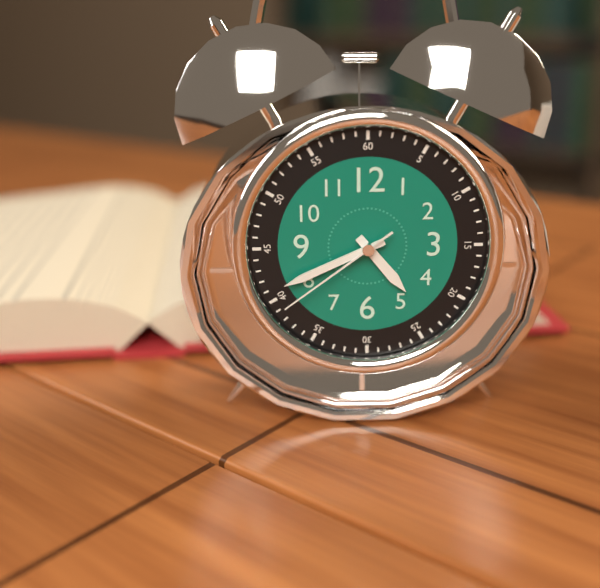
h=4 m=41 s=39
